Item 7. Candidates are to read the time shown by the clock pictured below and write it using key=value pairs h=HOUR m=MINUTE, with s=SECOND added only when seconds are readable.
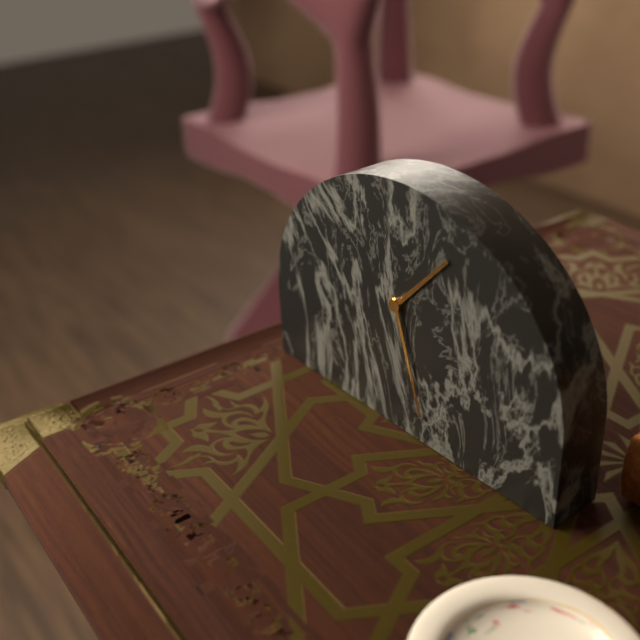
h=1 m=27
